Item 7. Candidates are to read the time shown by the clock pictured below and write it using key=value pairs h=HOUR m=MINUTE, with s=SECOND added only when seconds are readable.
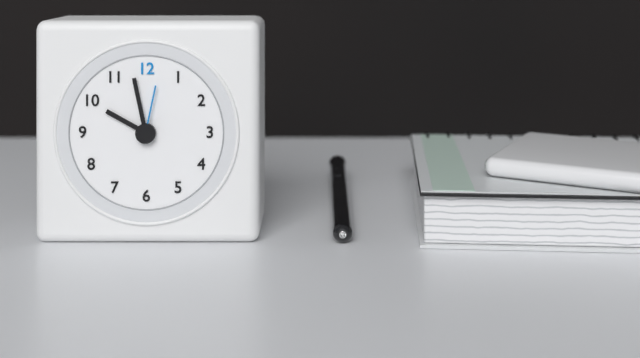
h=9 m=58 s=2
